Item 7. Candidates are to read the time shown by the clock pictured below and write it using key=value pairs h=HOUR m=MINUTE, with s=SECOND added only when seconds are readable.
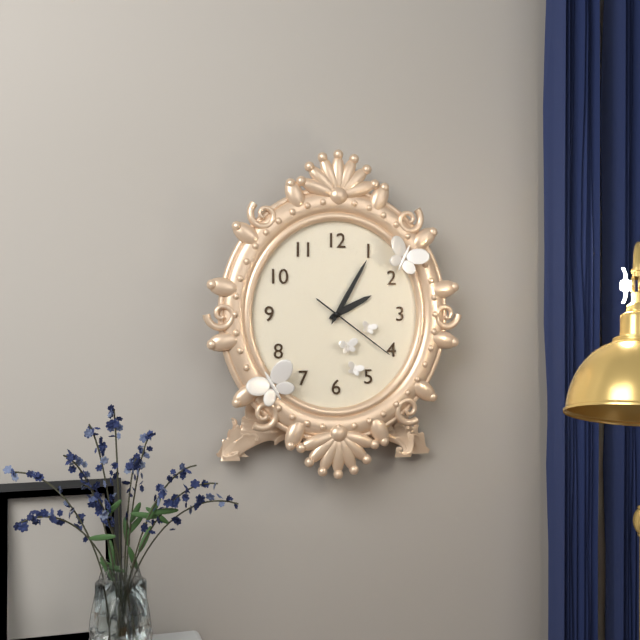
h=2 m=5 s=21
